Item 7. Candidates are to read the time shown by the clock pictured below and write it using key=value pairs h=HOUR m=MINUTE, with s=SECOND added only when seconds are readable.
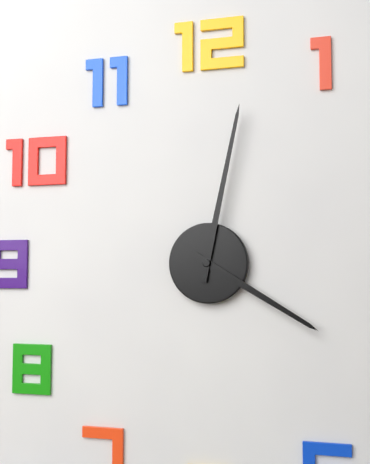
h=4 m=2
